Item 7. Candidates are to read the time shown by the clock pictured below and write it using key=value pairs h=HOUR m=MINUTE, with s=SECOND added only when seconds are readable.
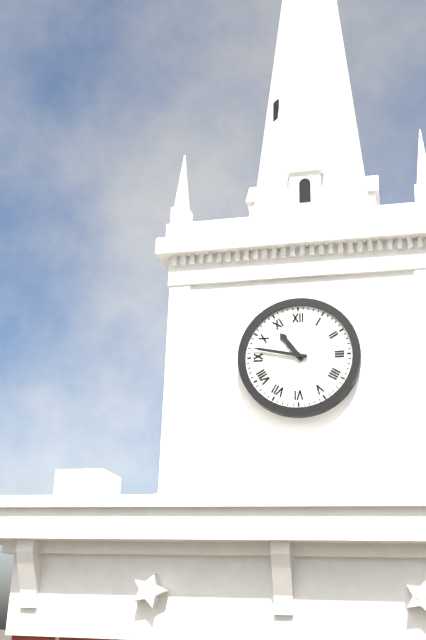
h=10 m=47
